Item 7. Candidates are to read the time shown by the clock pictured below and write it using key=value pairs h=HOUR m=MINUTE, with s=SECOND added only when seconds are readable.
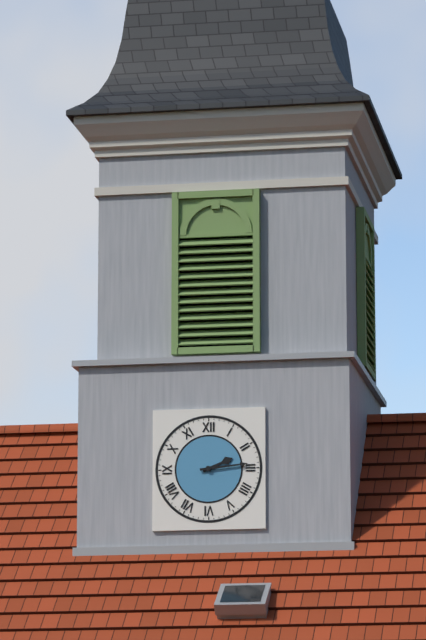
h=2 m=14
